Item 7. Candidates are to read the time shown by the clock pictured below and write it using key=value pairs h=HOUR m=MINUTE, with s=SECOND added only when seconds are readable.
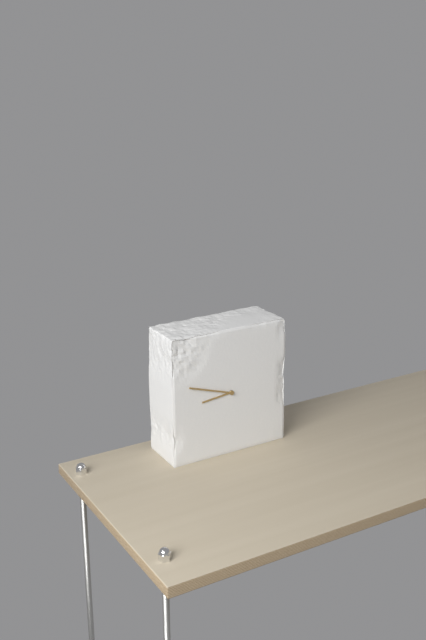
h=8 m=48
